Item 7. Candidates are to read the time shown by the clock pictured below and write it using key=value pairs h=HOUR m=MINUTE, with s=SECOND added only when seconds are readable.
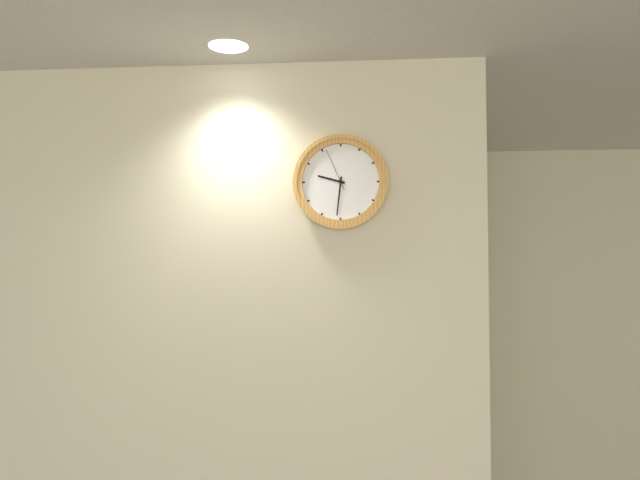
h=9 m=31
